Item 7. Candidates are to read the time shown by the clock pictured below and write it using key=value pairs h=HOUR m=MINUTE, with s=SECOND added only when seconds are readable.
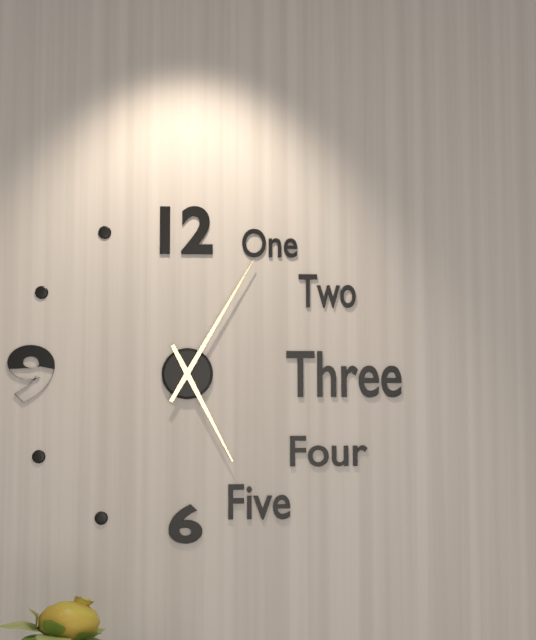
h=5 m=5
